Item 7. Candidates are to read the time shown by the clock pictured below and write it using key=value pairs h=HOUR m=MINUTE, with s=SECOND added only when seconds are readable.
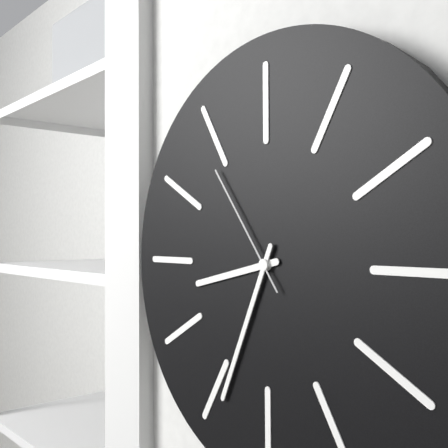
h=8 m=34 s=54
